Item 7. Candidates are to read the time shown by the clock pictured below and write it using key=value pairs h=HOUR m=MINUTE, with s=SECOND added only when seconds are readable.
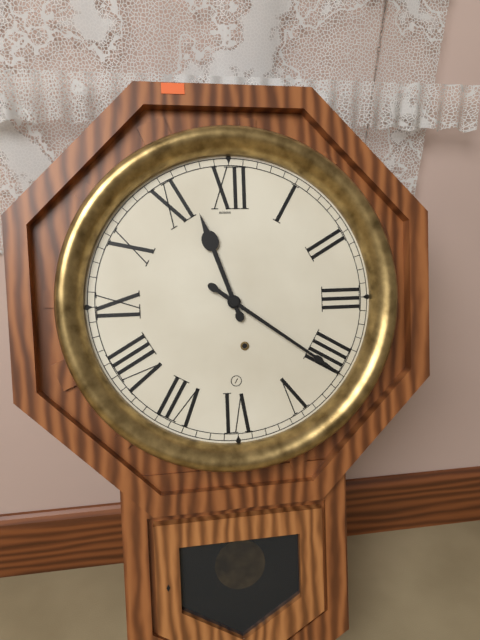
h=11 m=21
